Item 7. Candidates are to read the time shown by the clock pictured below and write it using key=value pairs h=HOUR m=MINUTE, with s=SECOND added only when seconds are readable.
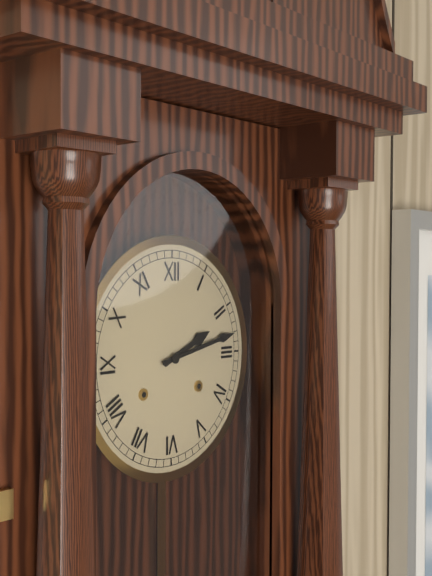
h=2 m=13
